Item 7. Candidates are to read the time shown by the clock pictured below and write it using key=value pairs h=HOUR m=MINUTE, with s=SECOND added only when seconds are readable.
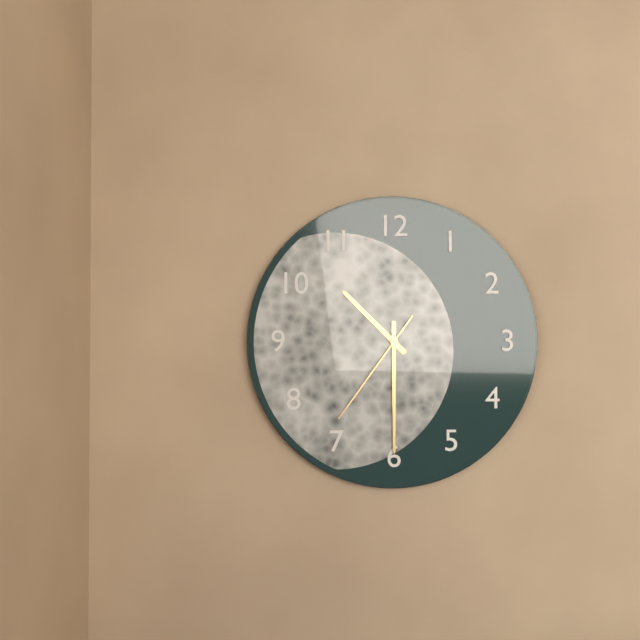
h=10 m=30 s=36
